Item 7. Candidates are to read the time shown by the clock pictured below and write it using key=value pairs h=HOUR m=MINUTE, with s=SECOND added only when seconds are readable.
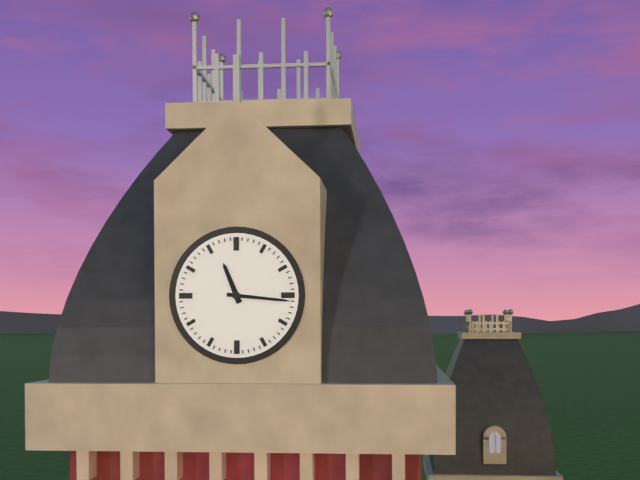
h=11 m=16
